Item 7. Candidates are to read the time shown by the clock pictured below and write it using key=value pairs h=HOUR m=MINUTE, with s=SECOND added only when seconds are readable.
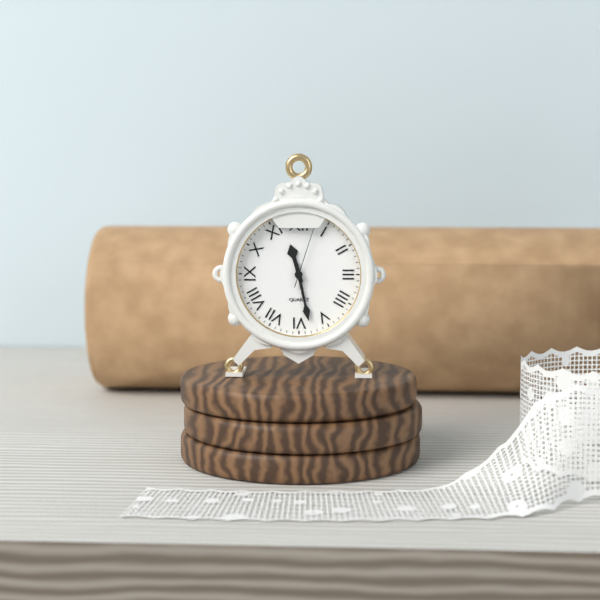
h=11 m=28 s=3
